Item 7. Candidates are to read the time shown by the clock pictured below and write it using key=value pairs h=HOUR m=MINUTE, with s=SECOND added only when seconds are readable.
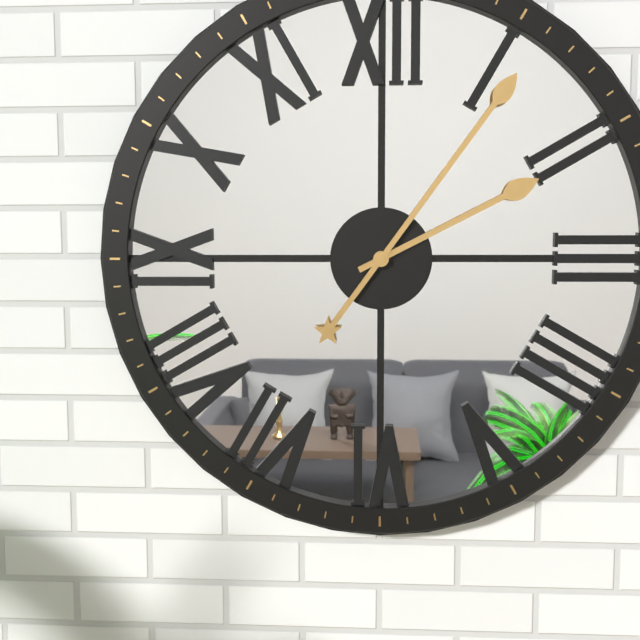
h=2 m=6
